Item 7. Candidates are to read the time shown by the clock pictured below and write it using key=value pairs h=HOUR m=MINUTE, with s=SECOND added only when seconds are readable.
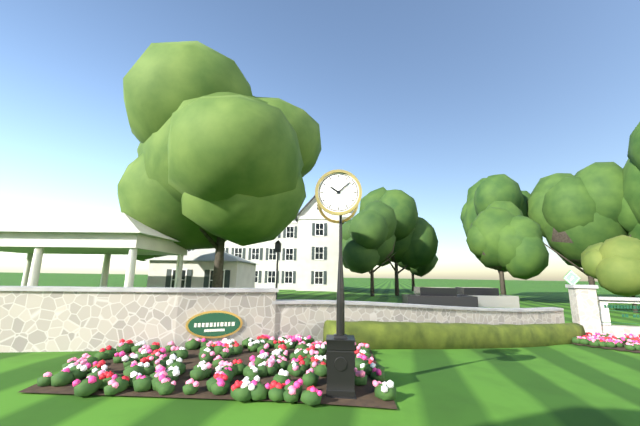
h=10 m=8
